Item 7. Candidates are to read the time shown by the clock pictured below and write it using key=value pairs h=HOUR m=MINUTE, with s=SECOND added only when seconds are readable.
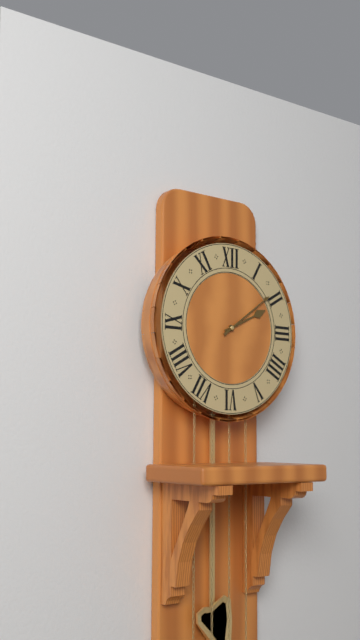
h=2 m=9
